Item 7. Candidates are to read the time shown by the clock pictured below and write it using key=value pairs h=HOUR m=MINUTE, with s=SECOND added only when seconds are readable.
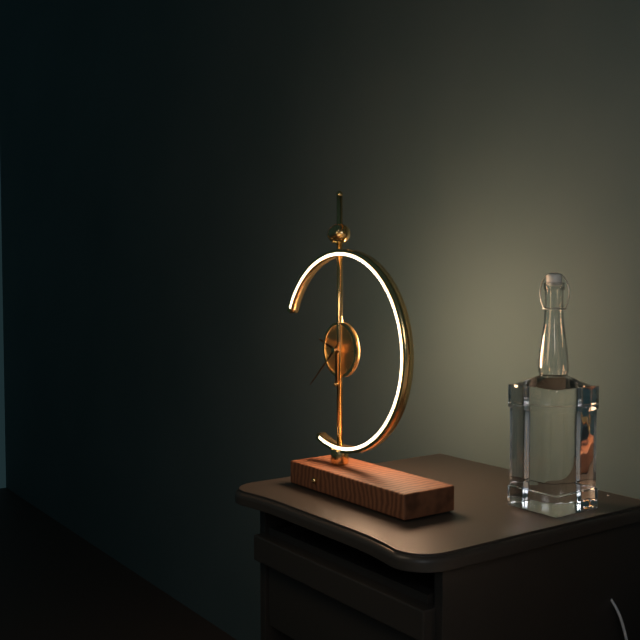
h=9 m=38
